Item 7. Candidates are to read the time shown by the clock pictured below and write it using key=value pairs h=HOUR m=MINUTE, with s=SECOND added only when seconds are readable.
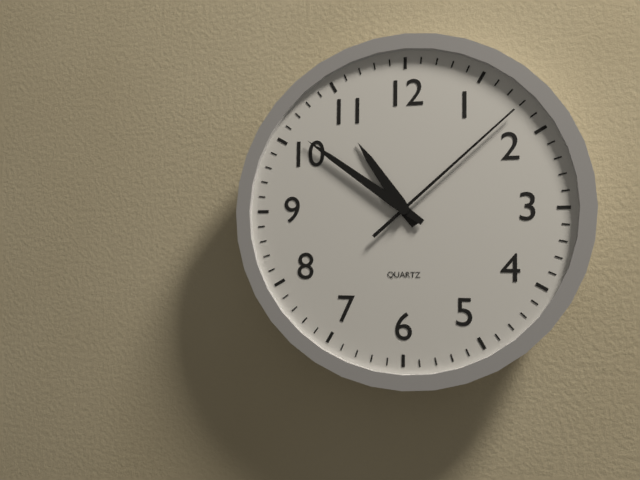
h=10 m=51 s=8
